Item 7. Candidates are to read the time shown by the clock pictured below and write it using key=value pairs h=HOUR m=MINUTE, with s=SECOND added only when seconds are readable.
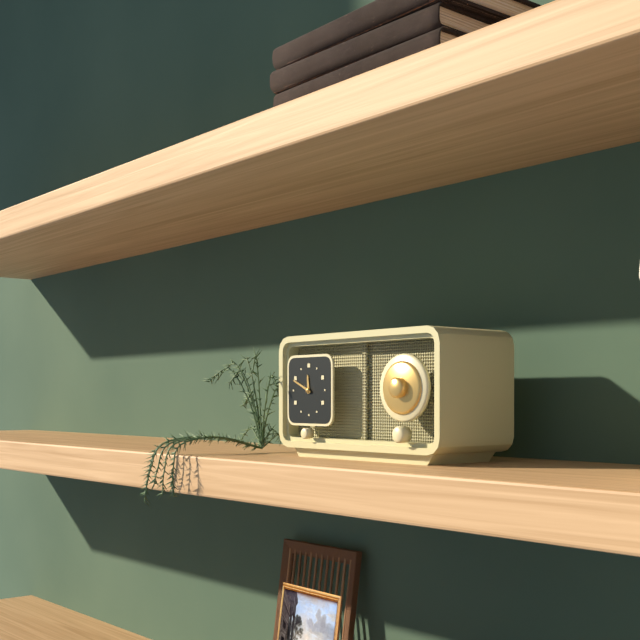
h=11 m=49
